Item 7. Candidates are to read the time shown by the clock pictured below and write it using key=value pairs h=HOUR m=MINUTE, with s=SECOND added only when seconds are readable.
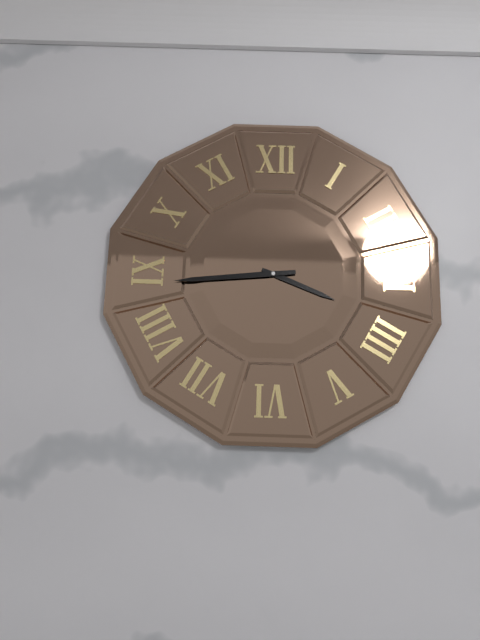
h=3 m=44
